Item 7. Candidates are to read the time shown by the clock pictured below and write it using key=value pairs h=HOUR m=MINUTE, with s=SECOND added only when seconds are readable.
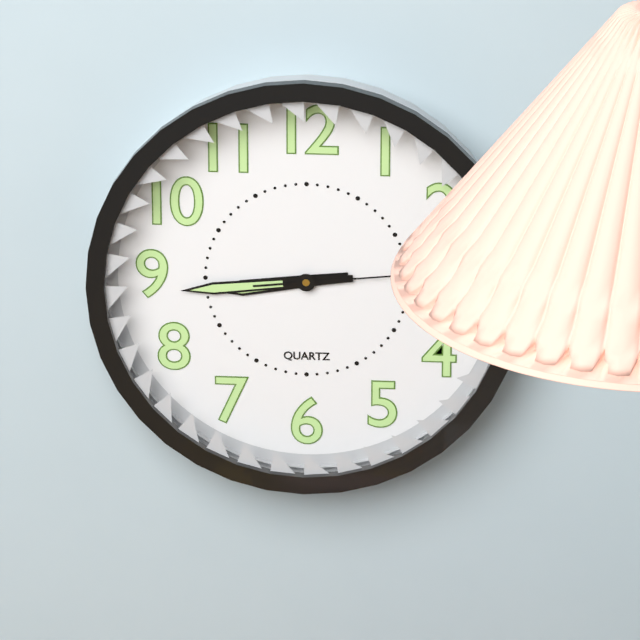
h=8 m=44
